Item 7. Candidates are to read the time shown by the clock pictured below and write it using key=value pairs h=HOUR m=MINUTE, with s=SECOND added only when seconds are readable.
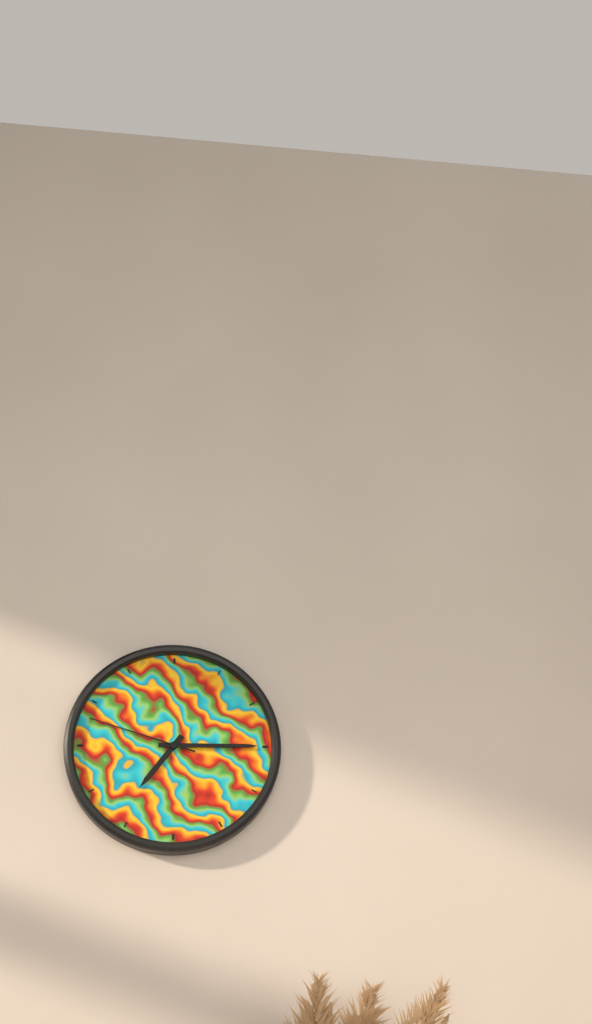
h=7 m=15 s=48
